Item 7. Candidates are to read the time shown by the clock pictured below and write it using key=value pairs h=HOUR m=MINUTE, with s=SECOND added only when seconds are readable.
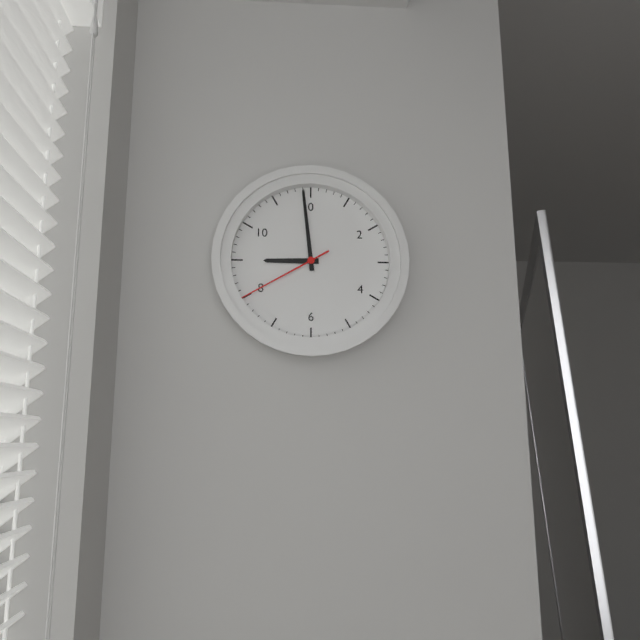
h=8 m=59 s=40
